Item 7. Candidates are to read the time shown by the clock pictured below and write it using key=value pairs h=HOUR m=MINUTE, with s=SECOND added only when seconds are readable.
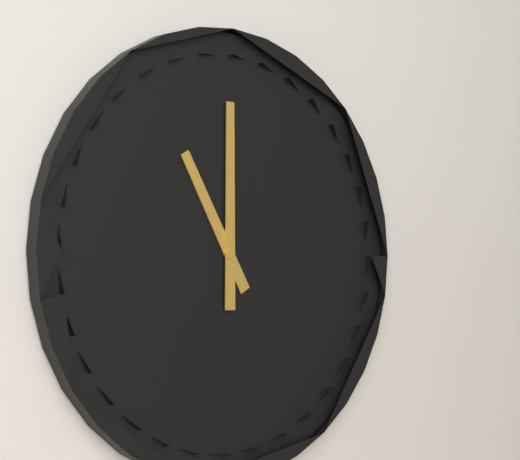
h=11 m=0
